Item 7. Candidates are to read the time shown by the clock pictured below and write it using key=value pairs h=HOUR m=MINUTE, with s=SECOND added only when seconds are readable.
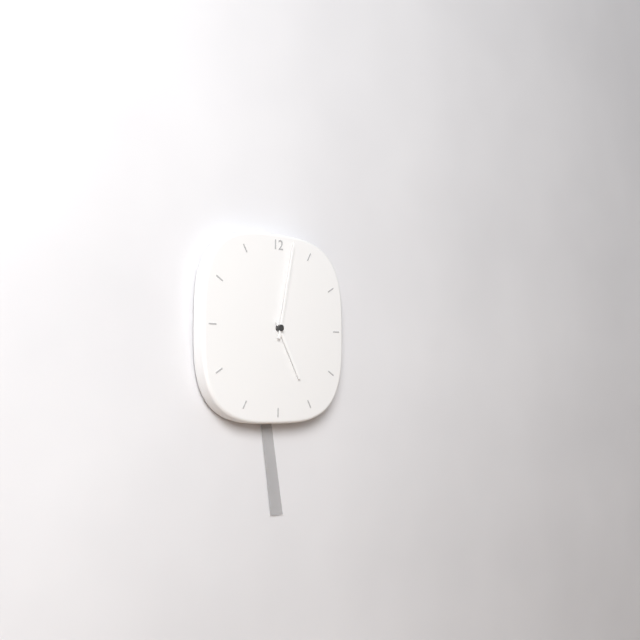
h=5 m=2
